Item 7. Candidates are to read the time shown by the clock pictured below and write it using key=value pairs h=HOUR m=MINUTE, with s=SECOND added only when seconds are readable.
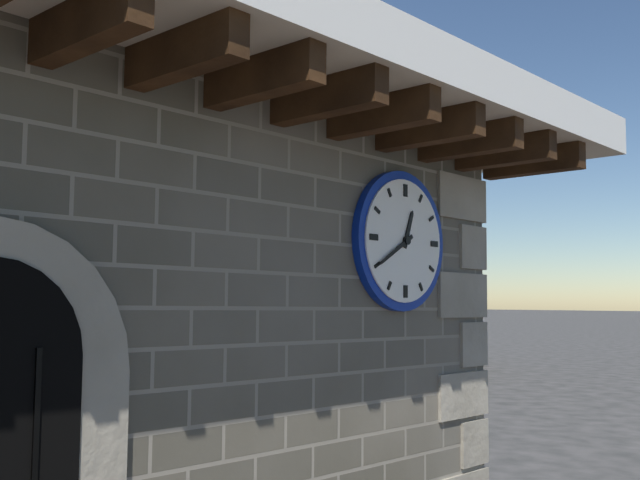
h=12 m=40
